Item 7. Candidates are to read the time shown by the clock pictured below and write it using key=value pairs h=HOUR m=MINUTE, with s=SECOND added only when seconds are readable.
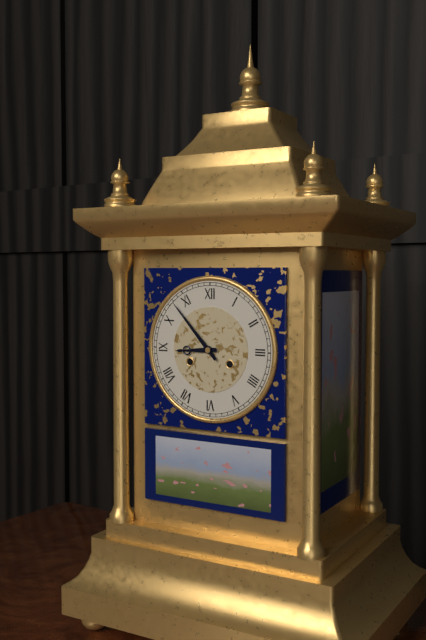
h=8 m=53
